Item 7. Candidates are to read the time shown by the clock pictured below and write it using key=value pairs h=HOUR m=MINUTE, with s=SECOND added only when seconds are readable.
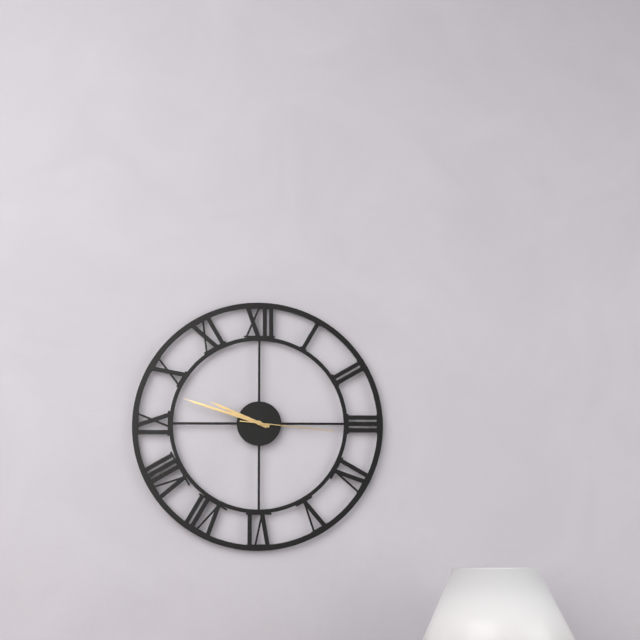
h=9 m=48 s=16
